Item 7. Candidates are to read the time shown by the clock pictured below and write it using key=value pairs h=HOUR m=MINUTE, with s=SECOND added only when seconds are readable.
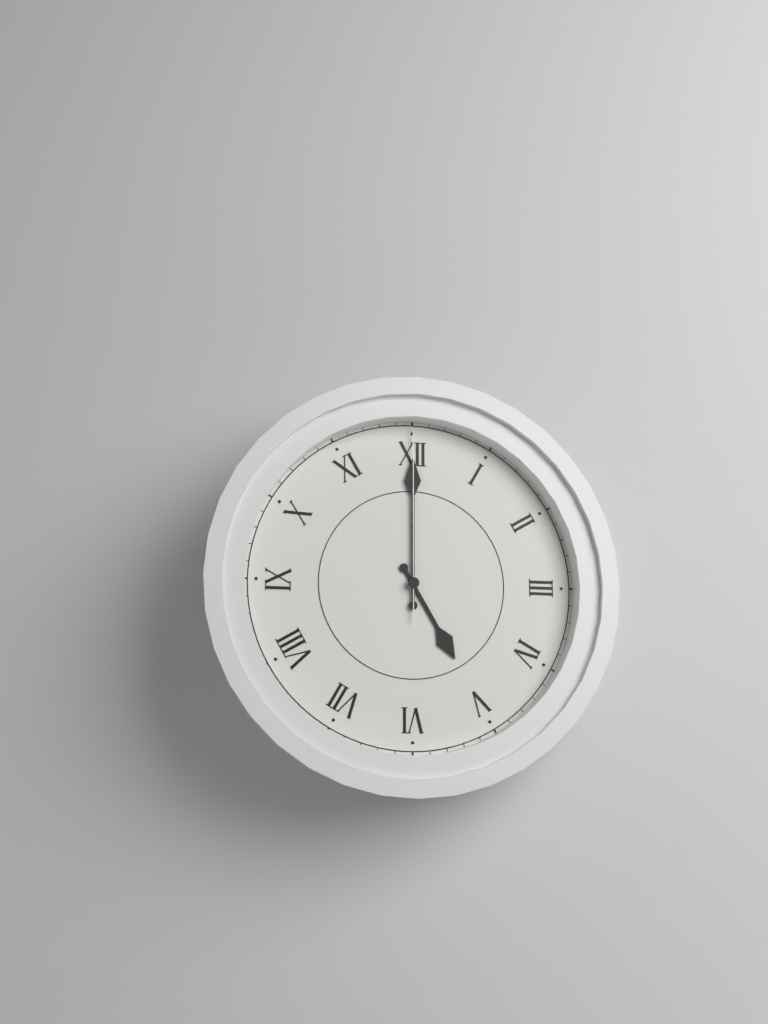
h=5 m=0 s=0
